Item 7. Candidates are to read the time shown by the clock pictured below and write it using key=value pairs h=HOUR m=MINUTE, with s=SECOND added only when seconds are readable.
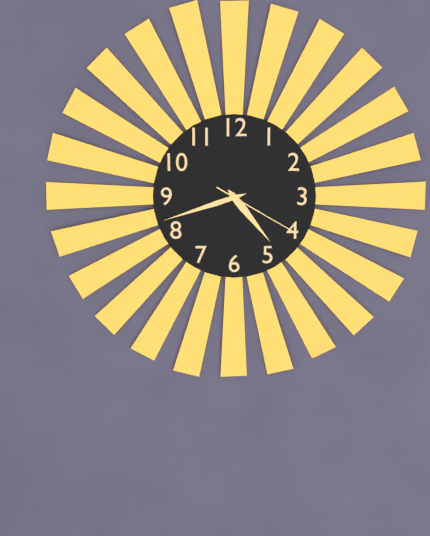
h=4 m=42 s=20
